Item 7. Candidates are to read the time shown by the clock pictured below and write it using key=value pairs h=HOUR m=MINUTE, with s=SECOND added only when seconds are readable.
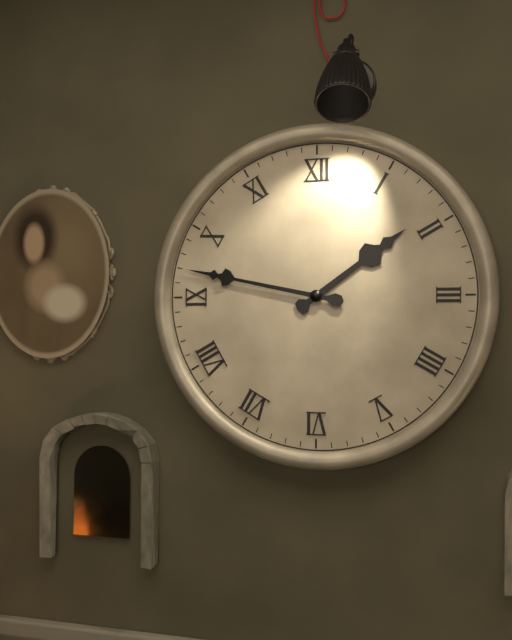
h=1 m=47
